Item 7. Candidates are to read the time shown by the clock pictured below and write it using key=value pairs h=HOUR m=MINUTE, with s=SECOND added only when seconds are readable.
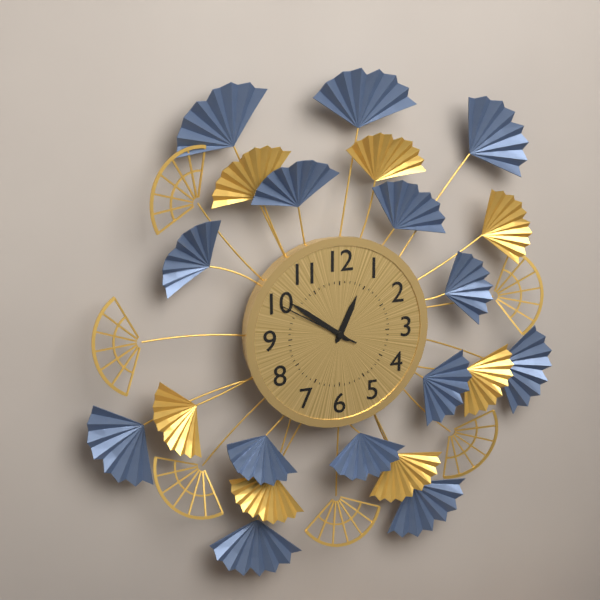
h=12 m=51 s=50
